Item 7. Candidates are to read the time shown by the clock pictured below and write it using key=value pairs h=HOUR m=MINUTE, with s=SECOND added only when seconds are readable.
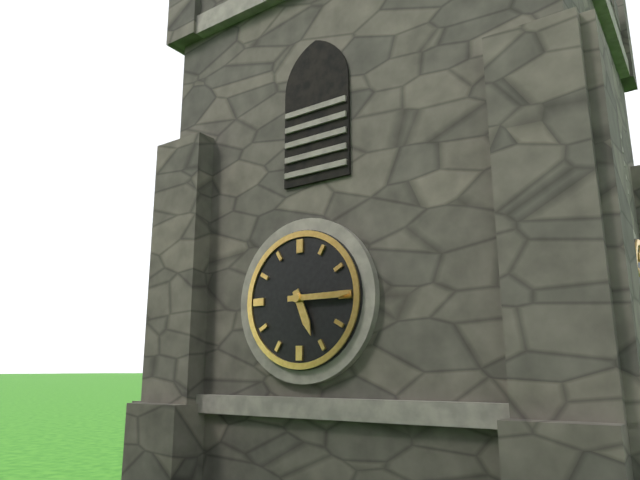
h=5 m=15
